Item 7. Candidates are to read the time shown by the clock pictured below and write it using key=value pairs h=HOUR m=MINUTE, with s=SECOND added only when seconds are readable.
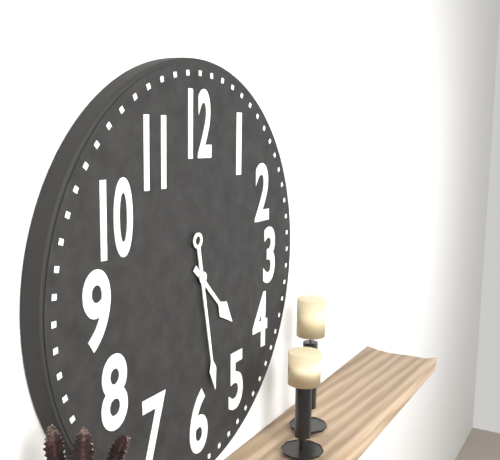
h=4 m=28
